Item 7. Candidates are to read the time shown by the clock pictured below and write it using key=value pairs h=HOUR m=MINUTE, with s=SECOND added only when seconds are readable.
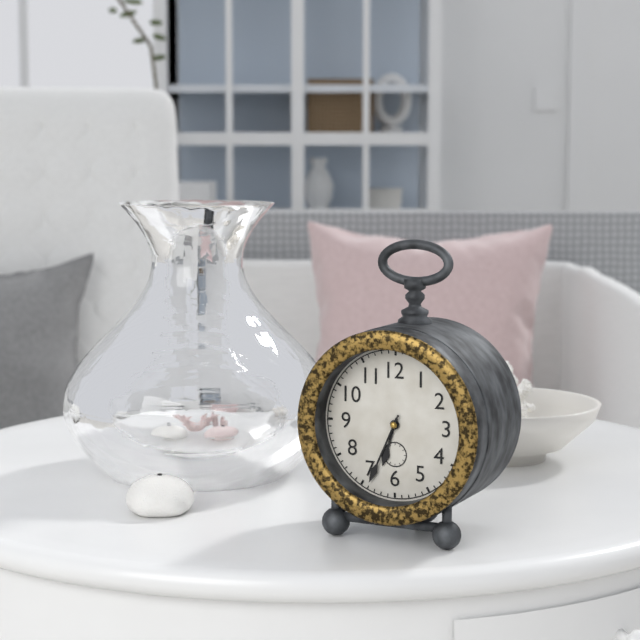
h=6 m=34
